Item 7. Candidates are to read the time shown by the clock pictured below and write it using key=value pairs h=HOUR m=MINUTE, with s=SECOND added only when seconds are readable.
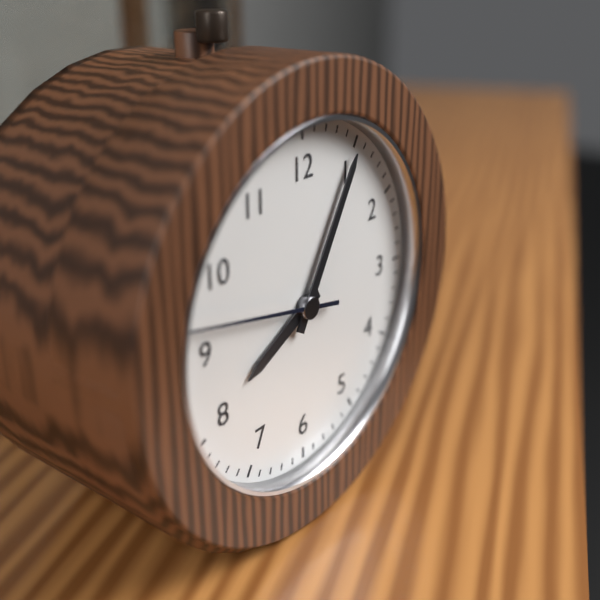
h=8 m=5 s=47
